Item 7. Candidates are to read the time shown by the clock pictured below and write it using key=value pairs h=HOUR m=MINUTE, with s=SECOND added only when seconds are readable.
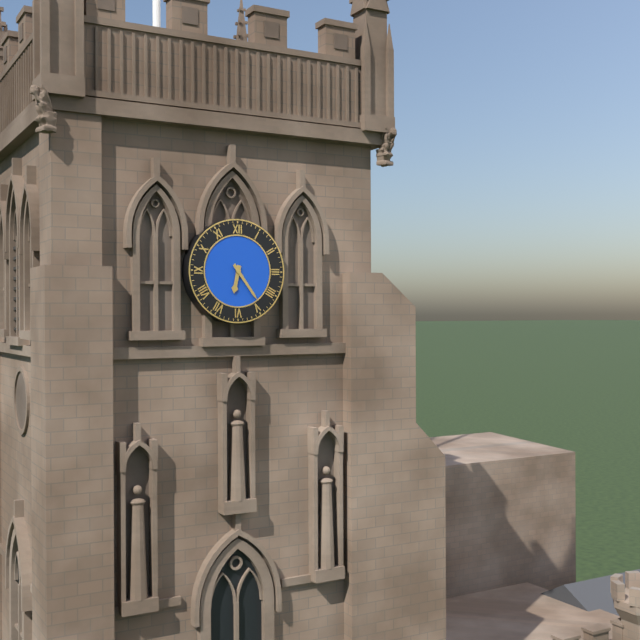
h=6 m=24
